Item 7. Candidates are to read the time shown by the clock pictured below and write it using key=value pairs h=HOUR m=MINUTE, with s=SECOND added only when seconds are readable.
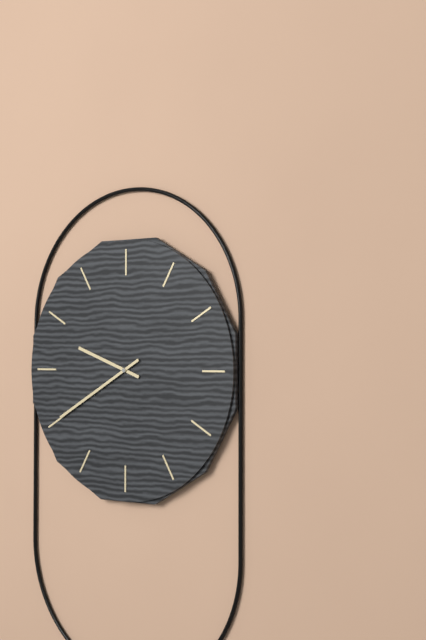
h=9 m=40
